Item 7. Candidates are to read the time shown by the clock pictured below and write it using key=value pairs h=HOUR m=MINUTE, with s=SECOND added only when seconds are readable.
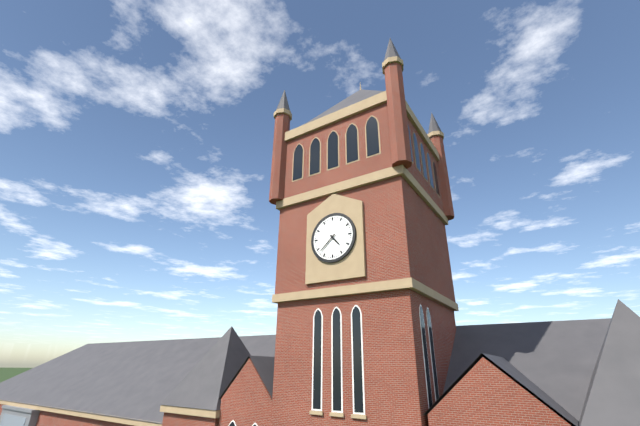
h=4 m=38
